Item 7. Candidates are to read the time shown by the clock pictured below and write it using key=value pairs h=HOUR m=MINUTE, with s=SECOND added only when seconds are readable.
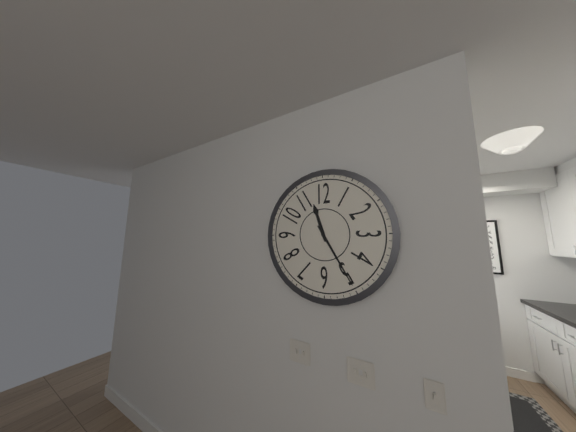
h=11 m=25
